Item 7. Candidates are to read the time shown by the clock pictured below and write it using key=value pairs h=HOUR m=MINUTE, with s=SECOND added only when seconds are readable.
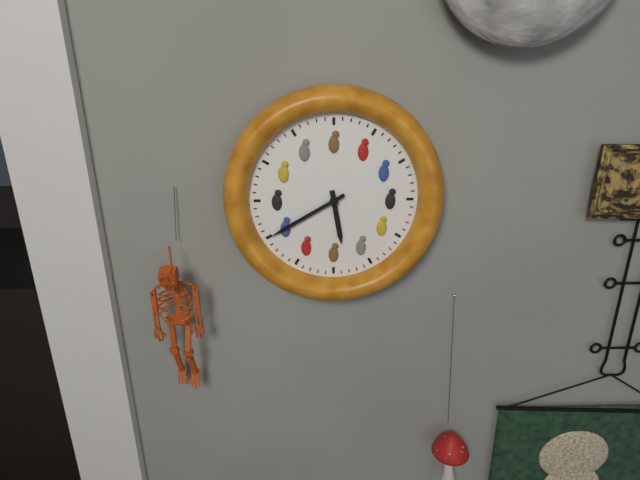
h=5 m=40
